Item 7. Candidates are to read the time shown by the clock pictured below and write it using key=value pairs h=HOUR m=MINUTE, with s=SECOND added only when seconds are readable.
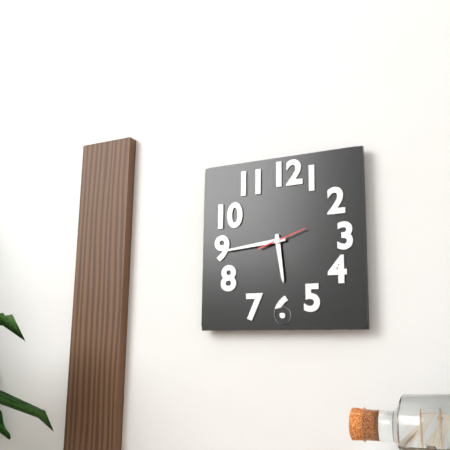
h=5 m=44
